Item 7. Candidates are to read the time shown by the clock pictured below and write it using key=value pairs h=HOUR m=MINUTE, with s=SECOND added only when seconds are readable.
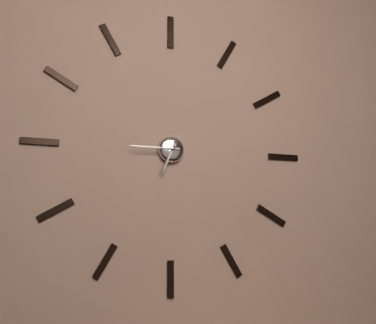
h=6 m=45
